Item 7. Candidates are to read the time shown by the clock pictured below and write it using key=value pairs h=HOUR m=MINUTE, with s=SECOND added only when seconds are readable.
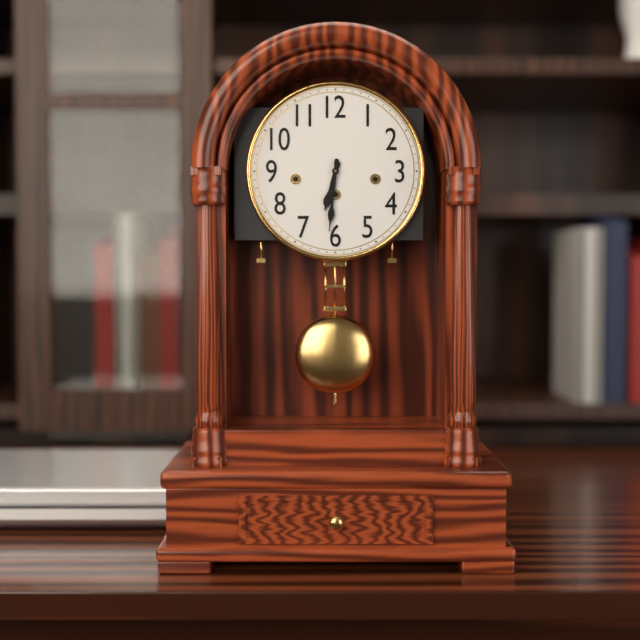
h=6 m=31
